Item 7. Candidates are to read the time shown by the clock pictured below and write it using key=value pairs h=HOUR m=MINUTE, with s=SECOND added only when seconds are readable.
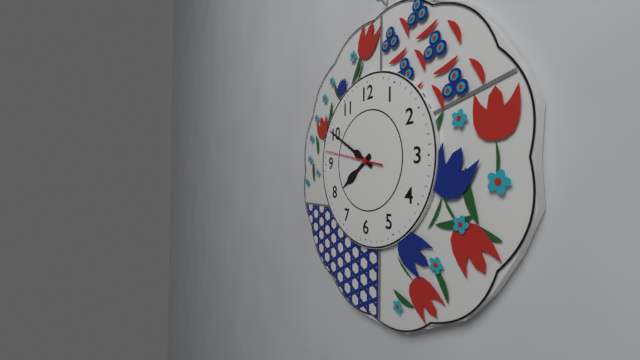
h=7 m=50 s=47
